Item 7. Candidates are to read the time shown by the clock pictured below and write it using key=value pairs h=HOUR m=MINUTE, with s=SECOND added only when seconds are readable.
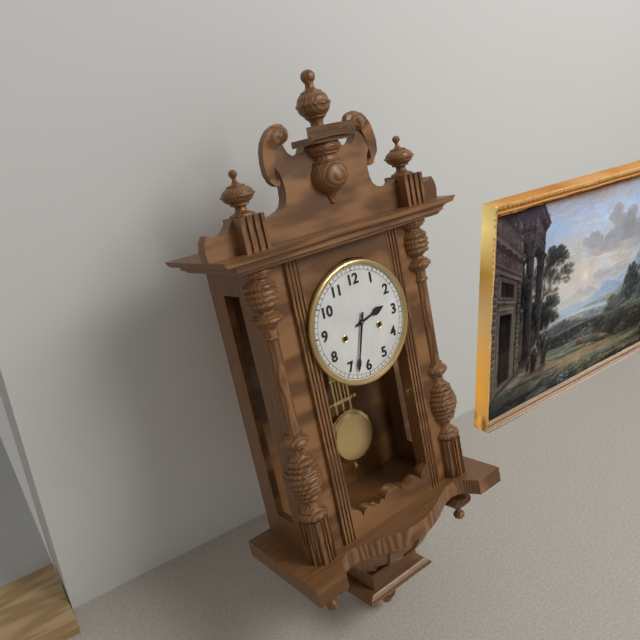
h=2 m=33
